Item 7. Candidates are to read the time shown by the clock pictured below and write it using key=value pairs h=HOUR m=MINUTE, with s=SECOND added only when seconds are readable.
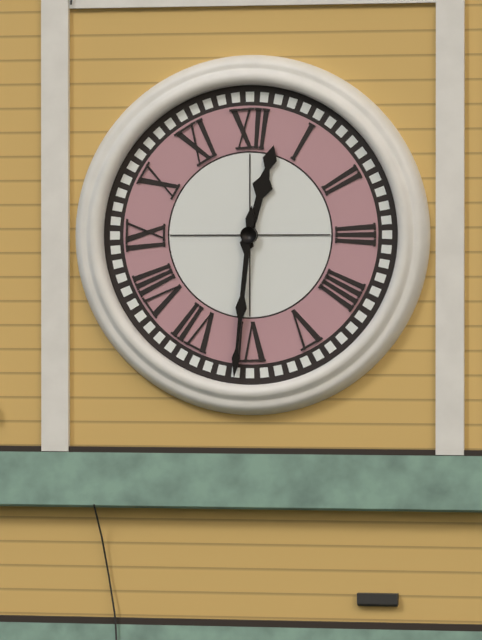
h=12 m=31
